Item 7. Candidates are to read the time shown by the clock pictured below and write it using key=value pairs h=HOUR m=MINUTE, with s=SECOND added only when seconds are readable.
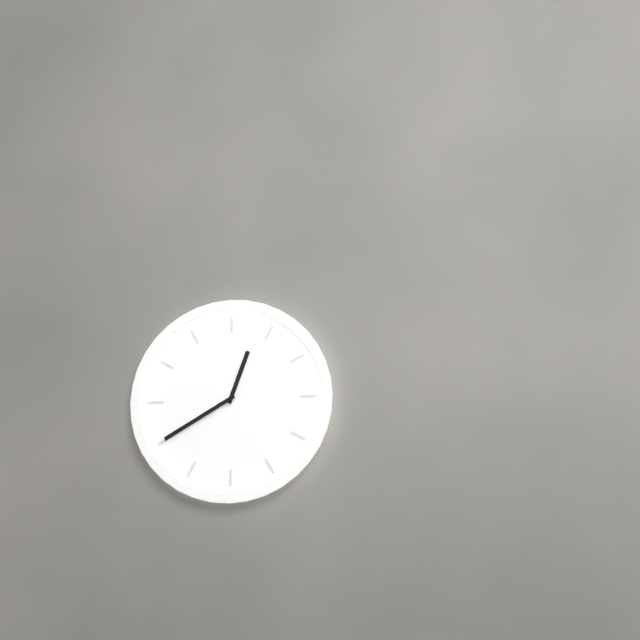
h=12 m=40
